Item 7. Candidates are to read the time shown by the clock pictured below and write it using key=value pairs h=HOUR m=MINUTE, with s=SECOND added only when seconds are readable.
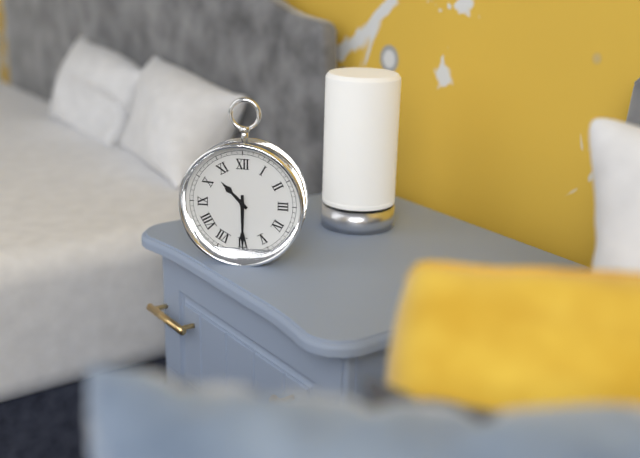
h=10 m=30
